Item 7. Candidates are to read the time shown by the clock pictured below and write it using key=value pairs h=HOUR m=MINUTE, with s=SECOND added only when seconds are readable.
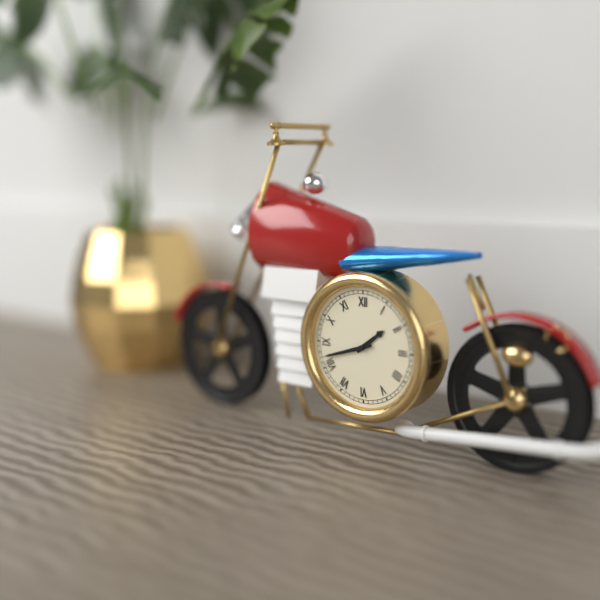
h=1 m=42
